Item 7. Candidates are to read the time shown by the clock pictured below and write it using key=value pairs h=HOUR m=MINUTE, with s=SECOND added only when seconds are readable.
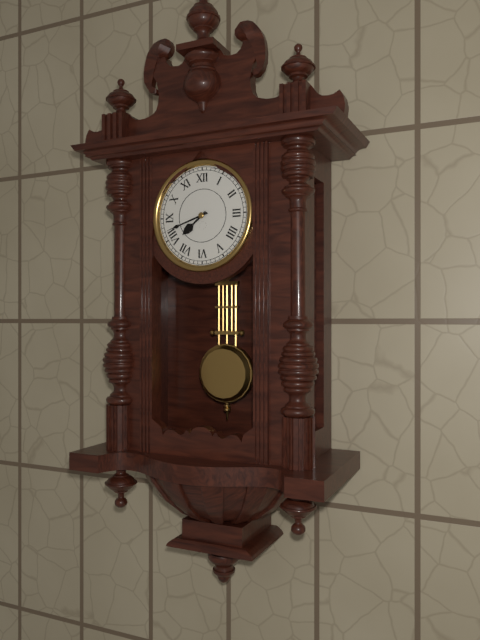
h=7 m=42
